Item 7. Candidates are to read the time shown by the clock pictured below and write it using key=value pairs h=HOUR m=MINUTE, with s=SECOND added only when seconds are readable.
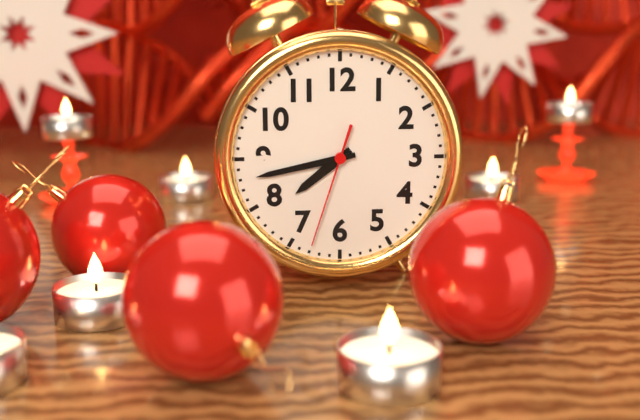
h=7 m=43 s=33
